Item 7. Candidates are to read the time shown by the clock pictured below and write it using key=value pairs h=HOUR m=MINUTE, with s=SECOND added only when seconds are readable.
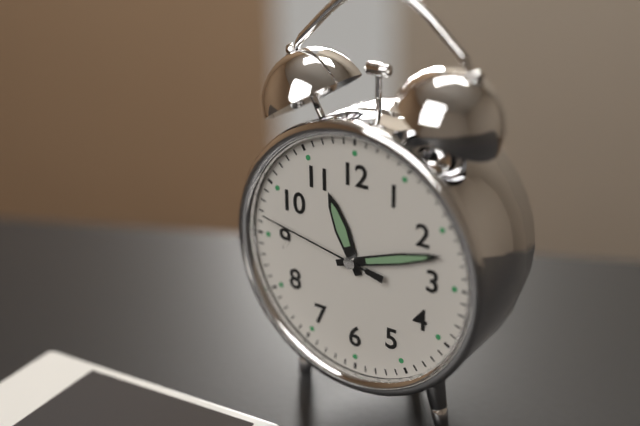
h=11 m=12 s=47
